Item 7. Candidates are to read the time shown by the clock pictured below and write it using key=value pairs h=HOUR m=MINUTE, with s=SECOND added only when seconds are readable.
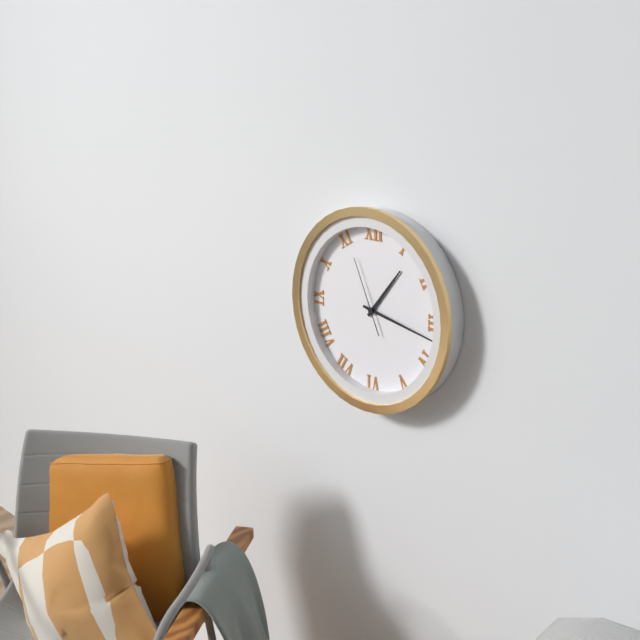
h=1 m=17 s=56
